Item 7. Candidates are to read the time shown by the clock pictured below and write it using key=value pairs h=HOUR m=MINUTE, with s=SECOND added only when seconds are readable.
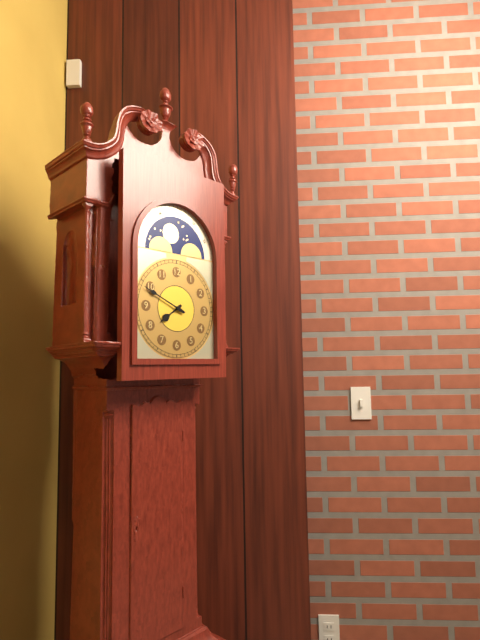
h=7 m=49
